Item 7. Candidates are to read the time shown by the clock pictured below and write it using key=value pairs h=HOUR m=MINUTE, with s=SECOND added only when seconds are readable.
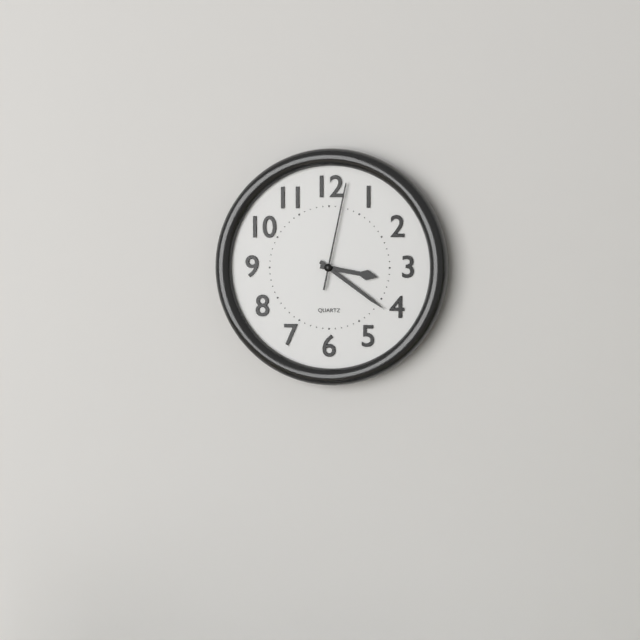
h=3 m=21 s=2
